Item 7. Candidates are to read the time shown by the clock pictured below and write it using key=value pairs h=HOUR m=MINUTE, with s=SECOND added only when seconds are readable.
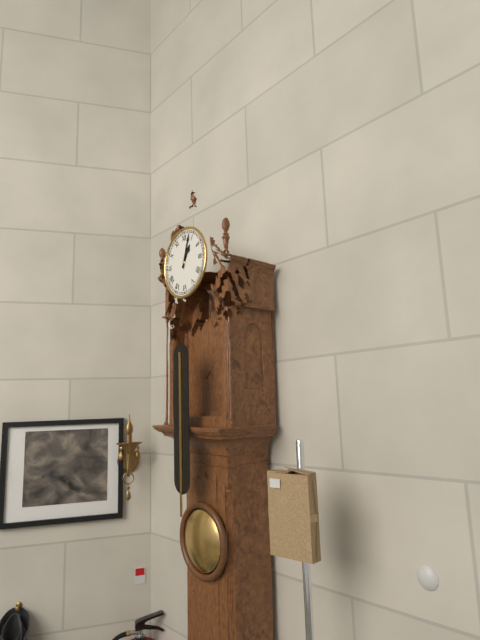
h=1 m=3
